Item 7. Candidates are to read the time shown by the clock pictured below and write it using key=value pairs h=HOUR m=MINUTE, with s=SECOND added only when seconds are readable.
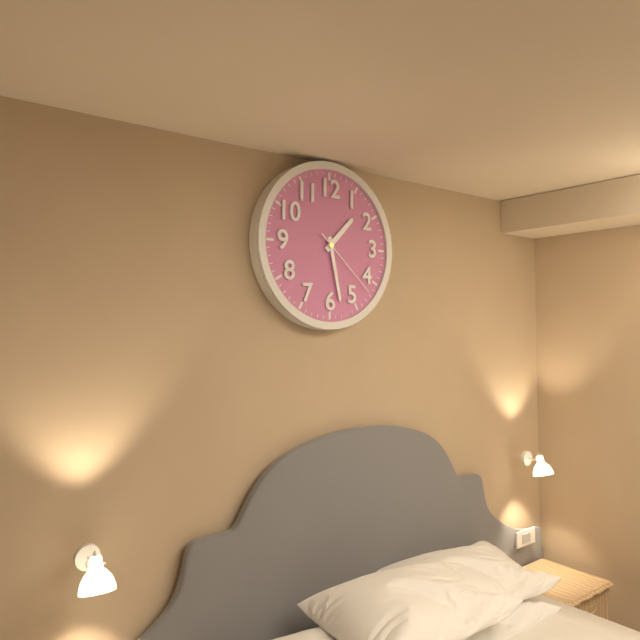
h=1 m=28 s=22
